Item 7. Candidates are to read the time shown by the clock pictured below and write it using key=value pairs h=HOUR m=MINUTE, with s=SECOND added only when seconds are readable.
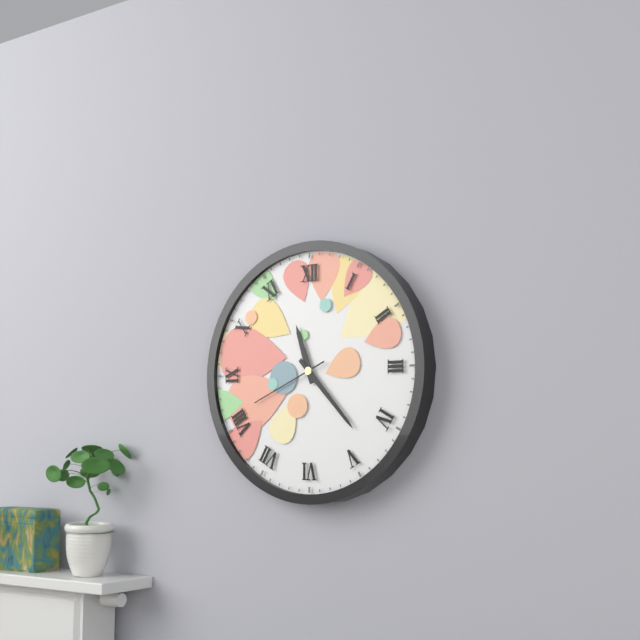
h=11 m=23 s=41
